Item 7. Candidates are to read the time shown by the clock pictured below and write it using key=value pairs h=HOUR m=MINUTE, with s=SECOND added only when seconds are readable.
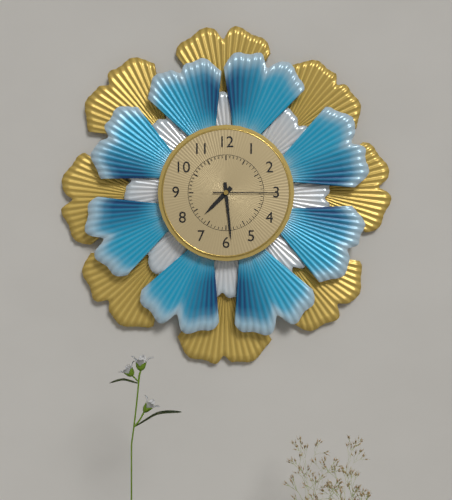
h=7 m=29 s=15
